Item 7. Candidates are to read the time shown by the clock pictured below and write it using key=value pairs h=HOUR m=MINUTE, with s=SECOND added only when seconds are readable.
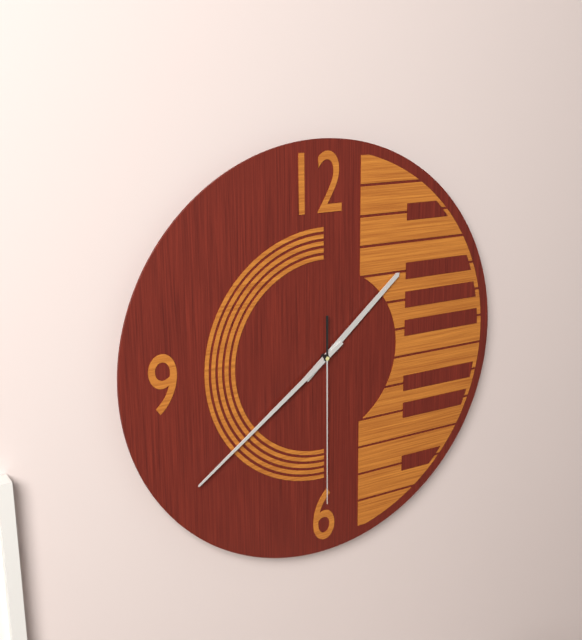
h=1 m=39 s=30
